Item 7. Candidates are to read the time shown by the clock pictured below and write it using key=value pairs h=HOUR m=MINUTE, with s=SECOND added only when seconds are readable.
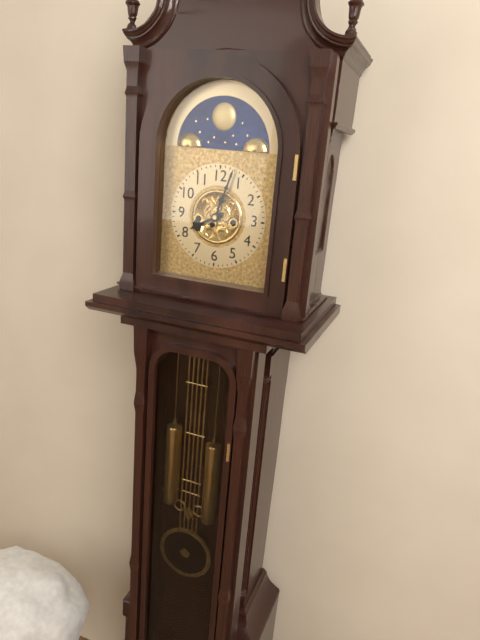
h=8 m=3
